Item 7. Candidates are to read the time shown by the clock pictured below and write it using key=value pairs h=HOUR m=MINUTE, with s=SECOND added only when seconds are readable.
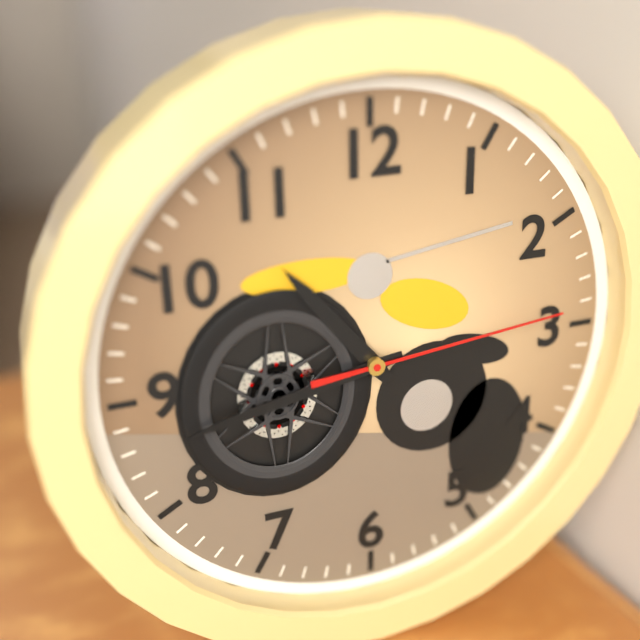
h=10 m=43 s=14
